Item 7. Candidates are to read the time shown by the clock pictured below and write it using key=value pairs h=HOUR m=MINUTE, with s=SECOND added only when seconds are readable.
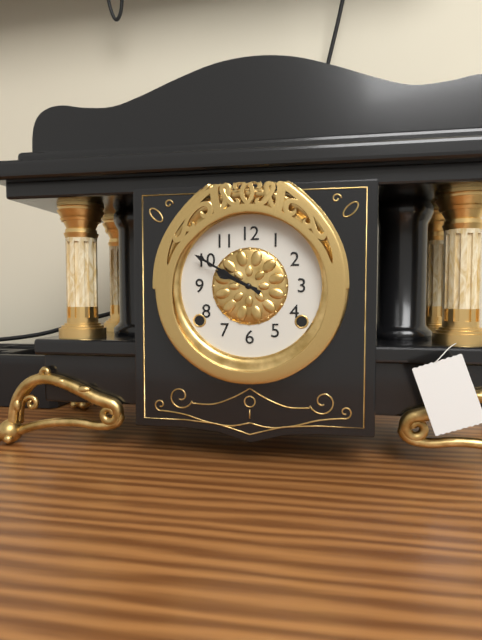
h=9 m=50
